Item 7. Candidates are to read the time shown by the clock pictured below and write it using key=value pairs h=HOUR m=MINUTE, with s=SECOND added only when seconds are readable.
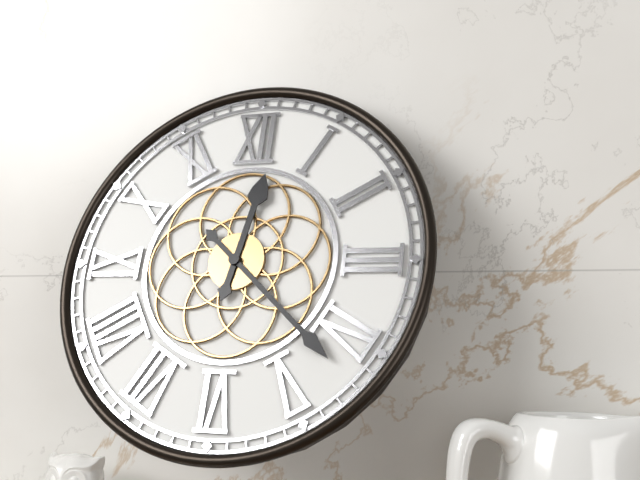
h=12 m=22
